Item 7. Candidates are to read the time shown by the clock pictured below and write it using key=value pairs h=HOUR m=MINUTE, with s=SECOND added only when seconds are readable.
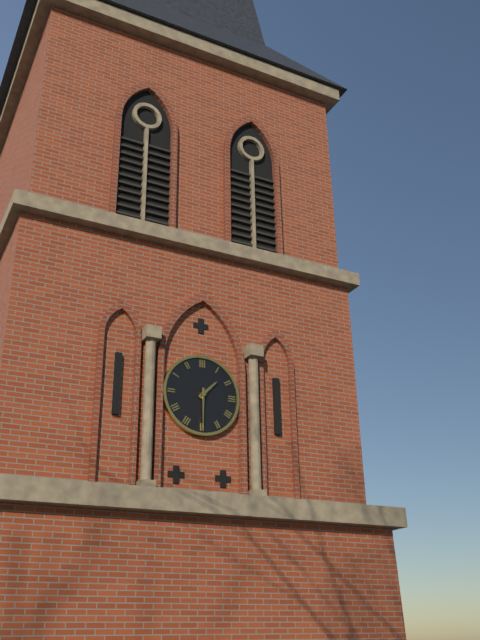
h=1 m=30
